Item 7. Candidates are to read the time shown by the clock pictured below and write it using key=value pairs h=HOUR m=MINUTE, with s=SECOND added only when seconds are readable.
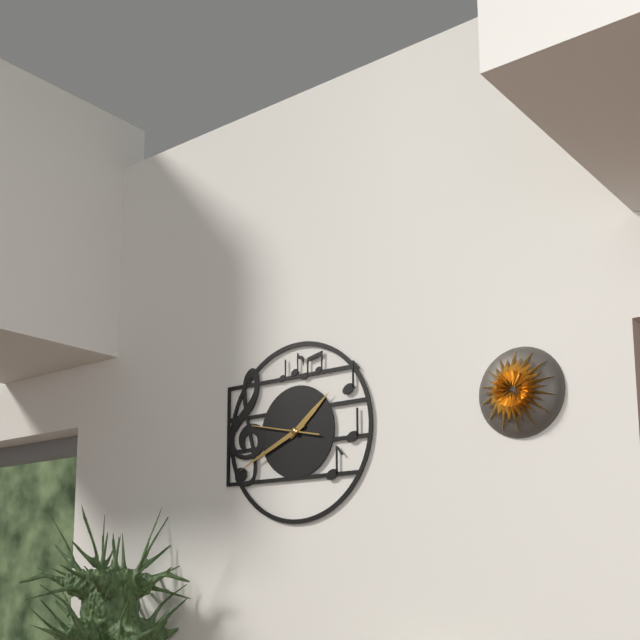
h=1 m=41 s=47
